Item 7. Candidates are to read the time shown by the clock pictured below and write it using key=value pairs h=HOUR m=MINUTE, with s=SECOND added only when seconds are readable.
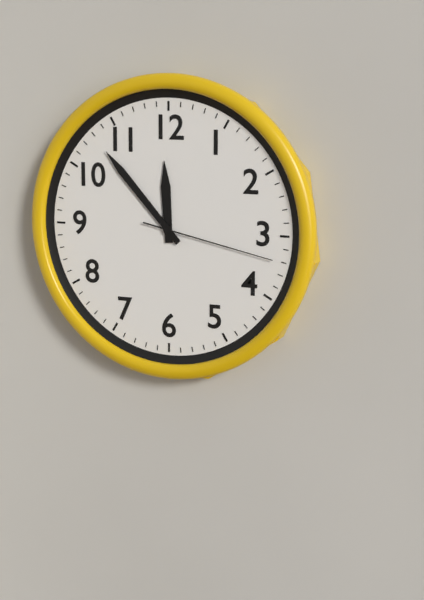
h=11 m=53 s=17
